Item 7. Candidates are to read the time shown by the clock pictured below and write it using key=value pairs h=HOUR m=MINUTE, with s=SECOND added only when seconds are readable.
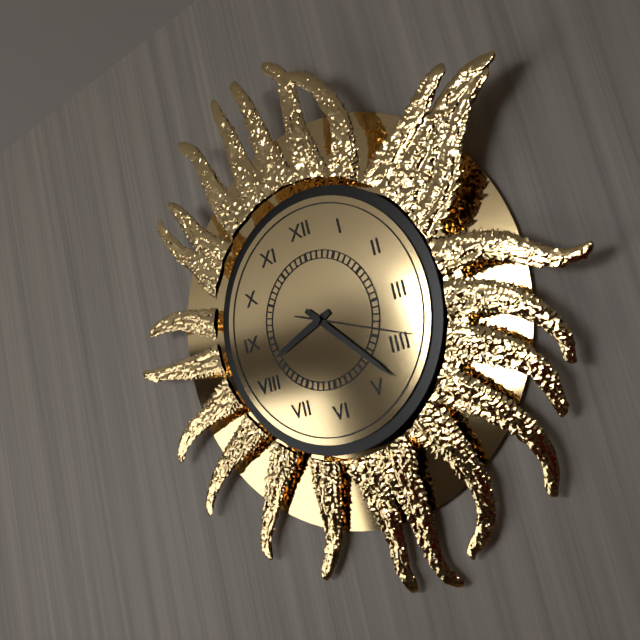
h=8 m=23 s=19
